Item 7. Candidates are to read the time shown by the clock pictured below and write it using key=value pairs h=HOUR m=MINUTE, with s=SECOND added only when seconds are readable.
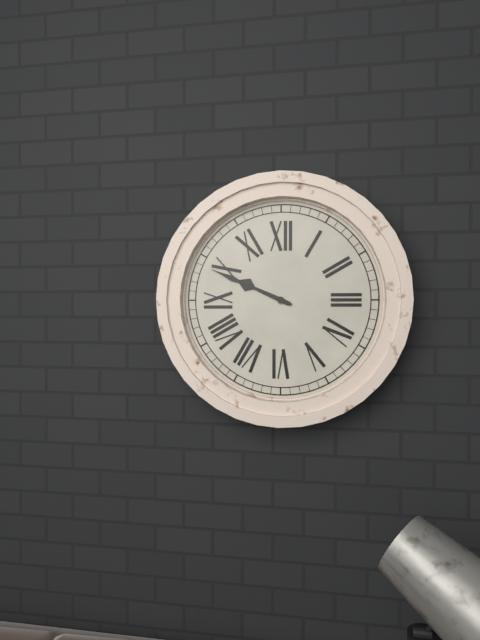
h=9 m=49
